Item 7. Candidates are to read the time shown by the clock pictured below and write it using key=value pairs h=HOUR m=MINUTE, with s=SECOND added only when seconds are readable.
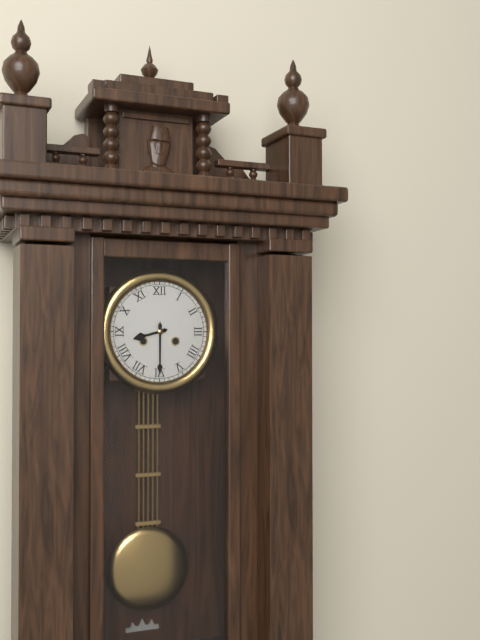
h=8 m=30
